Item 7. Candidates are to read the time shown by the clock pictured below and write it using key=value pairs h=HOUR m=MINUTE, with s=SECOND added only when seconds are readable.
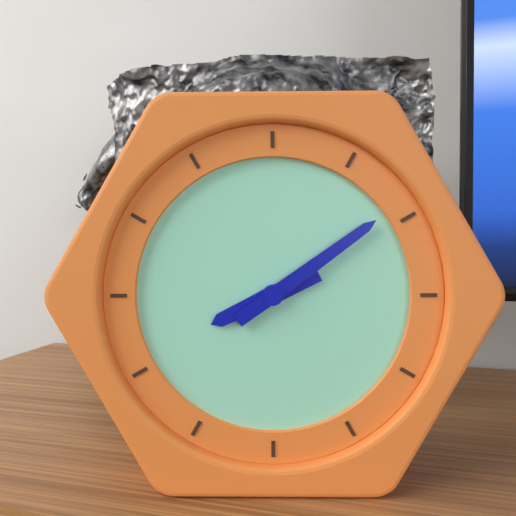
h=8 m=9
